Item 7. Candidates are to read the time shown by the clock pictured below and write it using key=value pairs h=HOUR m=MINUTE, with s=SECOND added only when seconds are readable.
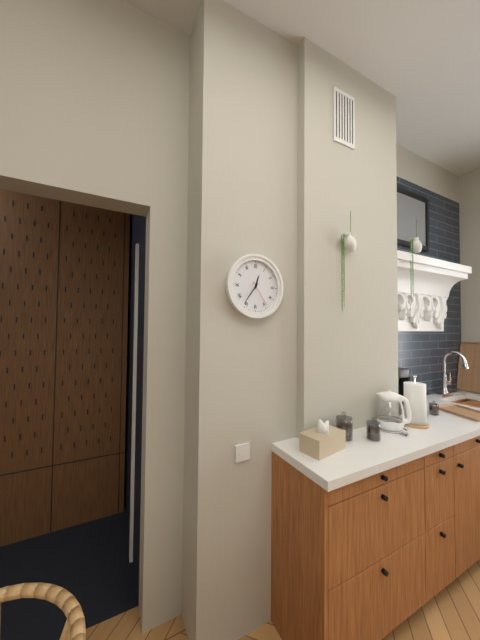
h=12 m=36
